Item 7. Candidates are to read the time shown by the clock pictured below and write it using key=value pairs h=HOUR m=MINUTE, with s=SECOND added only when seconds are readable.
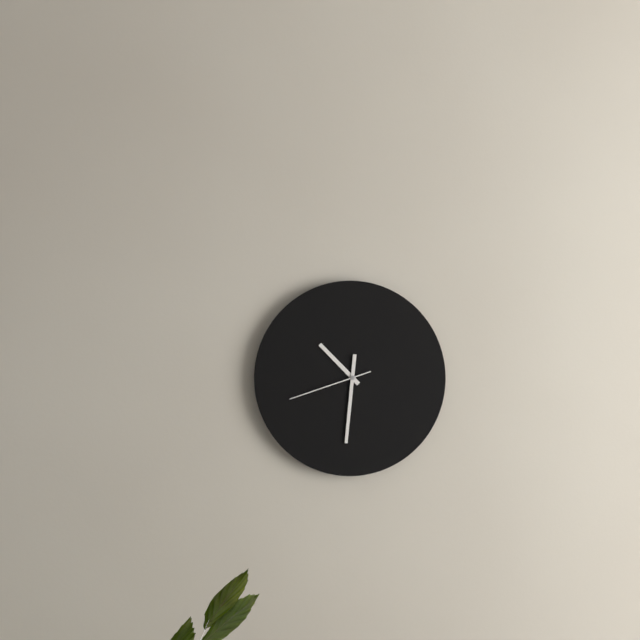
h=10 m=31 s=42
